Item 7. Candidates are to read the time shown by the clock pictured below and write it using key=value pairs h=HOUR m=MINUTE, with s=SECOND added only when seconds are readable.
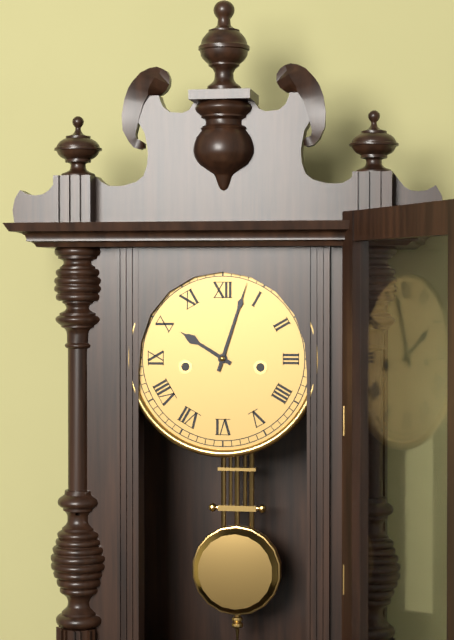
h=10 m=3
